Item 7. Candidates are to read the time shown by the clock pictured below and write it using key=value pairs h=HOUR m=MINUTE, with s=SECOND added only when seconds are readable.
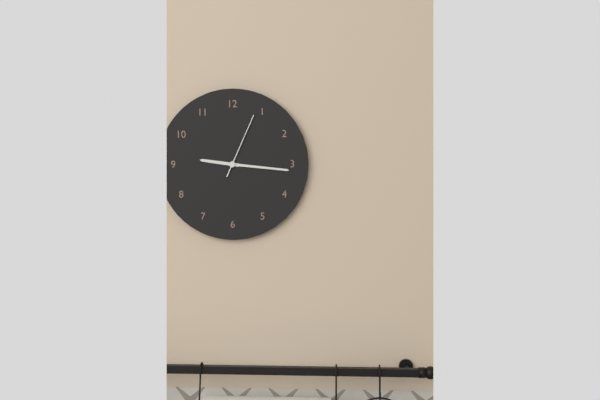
h=9 m=16 s=4
